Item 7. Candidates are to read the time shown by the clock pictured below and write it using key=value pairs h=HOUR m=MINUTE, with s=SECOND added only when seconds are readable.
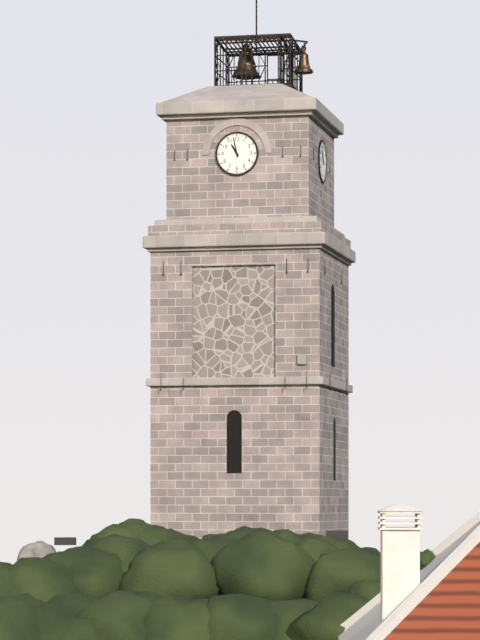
h=10 m=58
